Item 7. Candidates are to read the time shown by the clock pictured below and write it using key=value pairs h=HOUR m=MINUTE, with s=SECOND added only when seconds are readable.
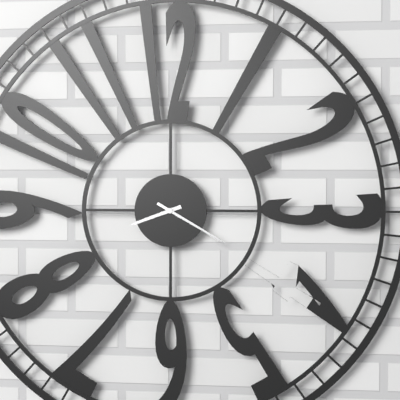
h=8 m=20
